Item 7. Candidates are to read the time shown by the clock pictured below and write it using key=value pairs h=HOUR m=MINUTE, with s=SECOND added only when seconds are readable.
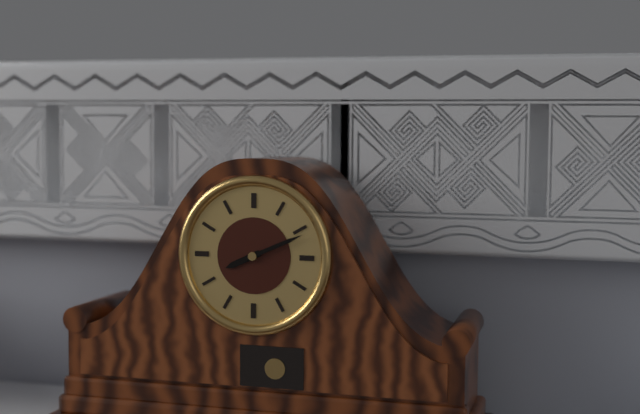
h=8 m=11
